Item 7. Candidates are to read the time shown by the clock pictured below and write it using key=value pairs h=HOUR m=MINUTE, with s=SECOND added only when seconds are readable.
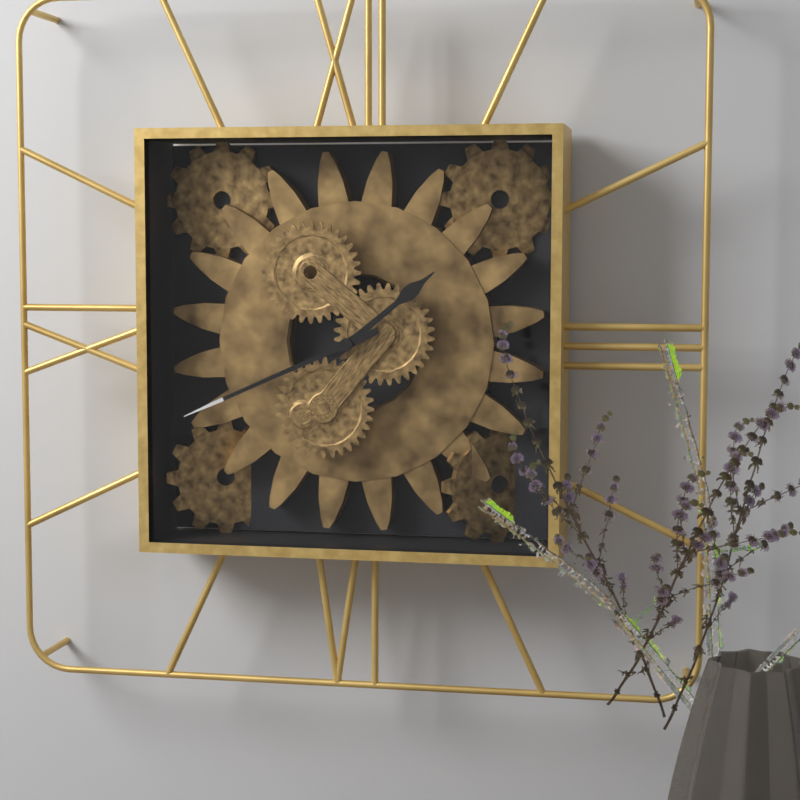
h=1 m=41
